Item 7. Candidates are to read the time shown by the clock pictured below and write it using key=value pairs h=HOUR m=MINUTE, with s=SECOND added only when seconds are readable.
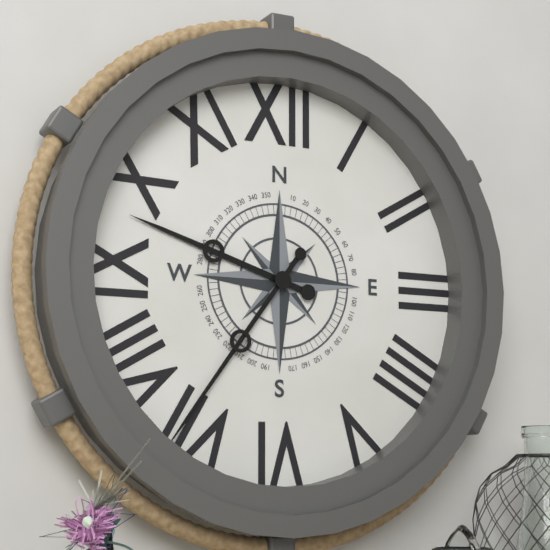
h=9 m=36
